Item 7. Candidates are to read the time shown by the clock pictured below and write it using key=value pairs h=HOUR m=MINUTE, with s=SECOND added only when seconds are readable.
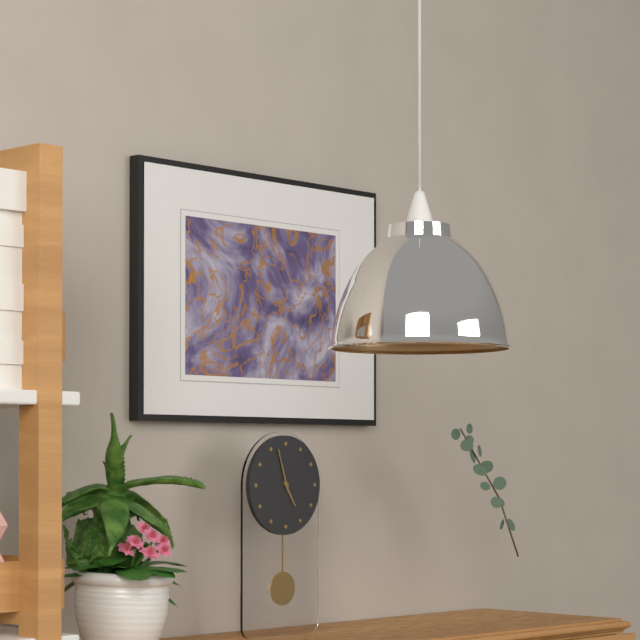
h=4 m=57
